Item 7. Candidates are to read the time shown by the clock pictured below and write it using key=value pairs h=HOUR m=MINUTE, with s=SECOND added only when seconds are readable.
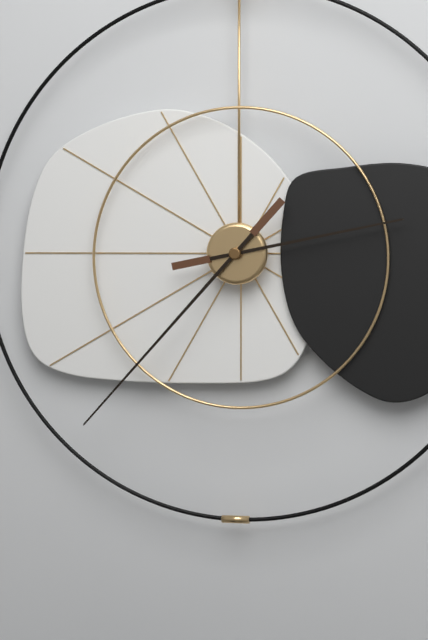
h=2 m=37
